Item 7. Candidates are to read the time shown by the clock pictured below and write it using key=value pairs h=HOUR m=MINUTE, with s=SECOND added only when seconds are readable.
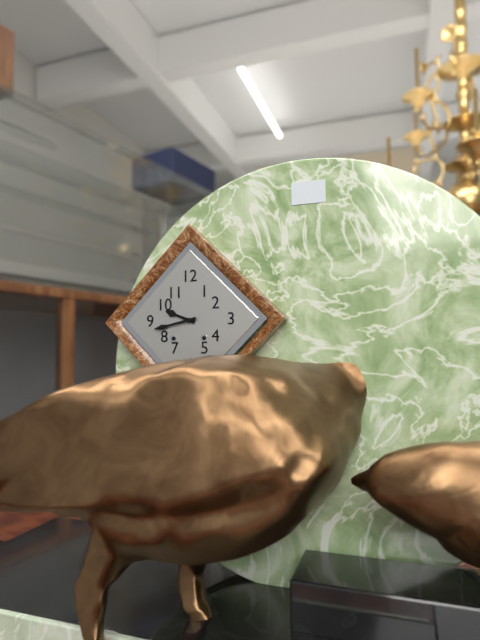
h=9 m=43
